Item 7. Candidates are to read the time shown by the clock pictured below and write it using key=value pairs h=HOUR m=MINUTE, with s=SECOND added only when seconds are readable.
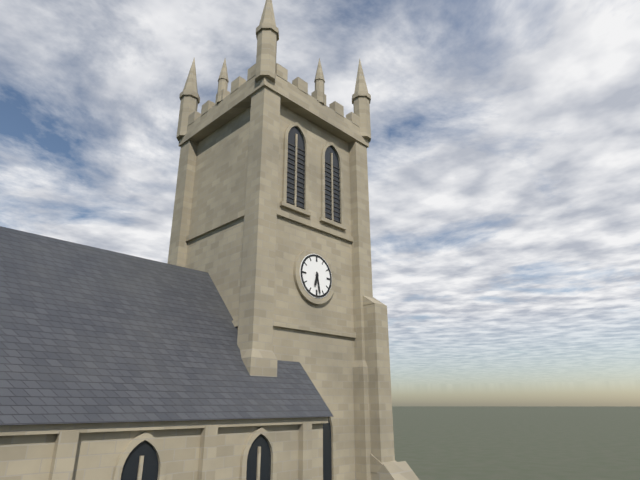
h=6 m=28
